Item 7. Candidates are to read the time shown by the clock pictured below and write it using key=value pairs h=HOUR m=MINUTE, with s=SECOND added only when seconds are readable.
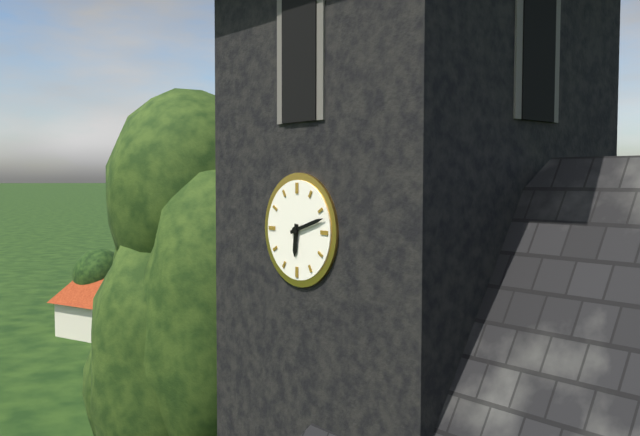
h=6 m=12
